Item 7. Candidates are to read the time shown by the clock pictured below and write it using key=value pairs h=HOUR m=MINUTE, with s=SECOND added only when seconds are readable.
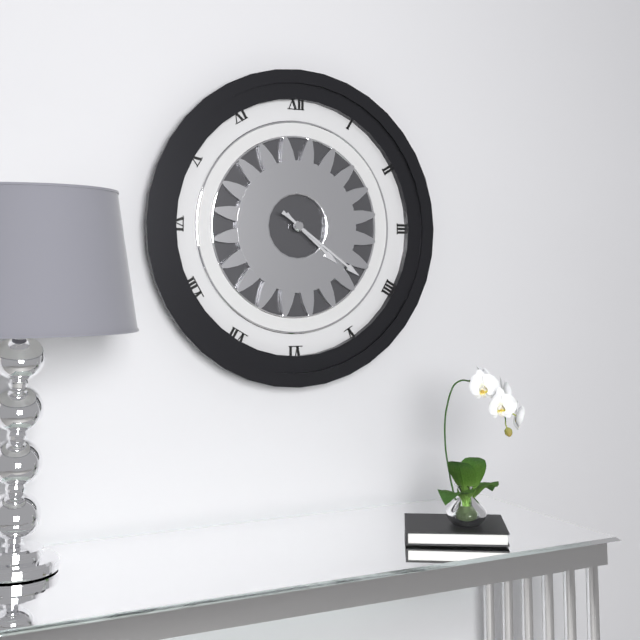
h=4 m=21
